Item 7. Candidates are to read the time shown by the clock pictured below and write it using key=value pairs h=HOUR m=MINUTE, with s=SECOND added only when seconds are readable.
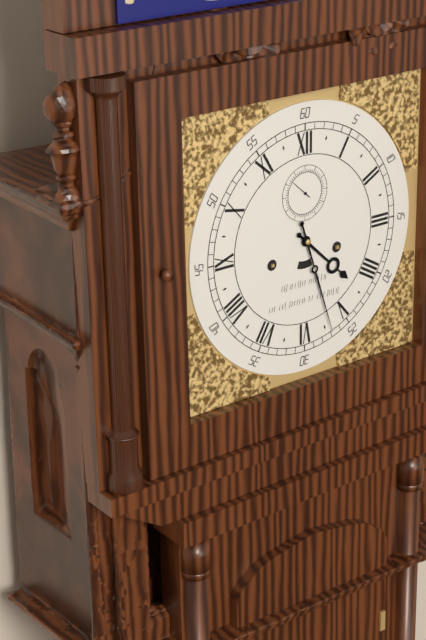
h=4 m=27
